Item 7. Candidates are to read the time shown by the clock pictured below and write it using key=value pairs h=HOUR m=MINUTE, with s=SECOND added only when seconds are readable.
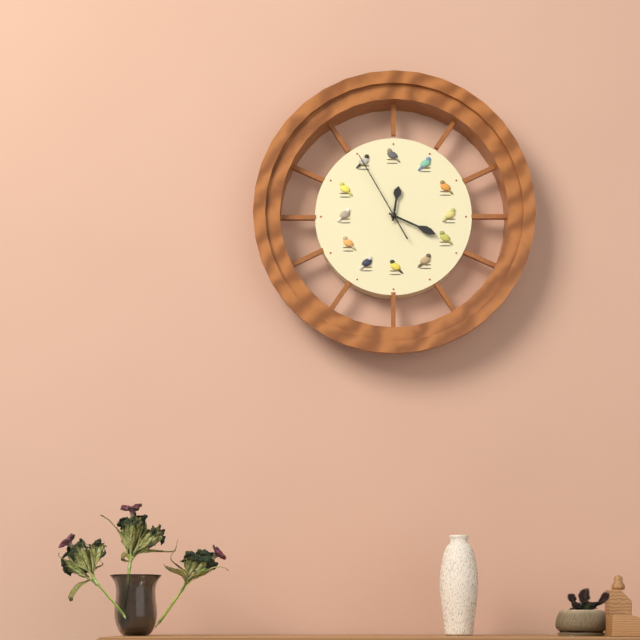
h=12 m=19 s=55
